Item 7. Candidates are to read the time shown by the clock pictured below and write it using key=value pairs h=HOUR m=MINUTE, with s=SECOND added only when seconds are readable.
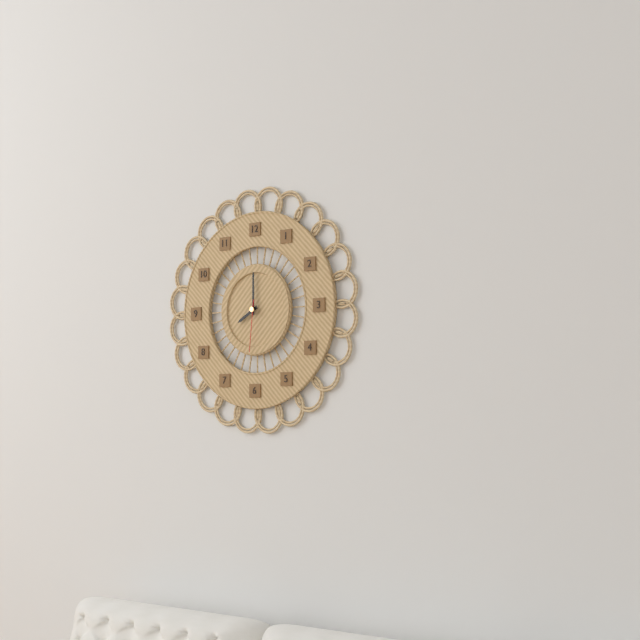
h=8 m=0 s=31
